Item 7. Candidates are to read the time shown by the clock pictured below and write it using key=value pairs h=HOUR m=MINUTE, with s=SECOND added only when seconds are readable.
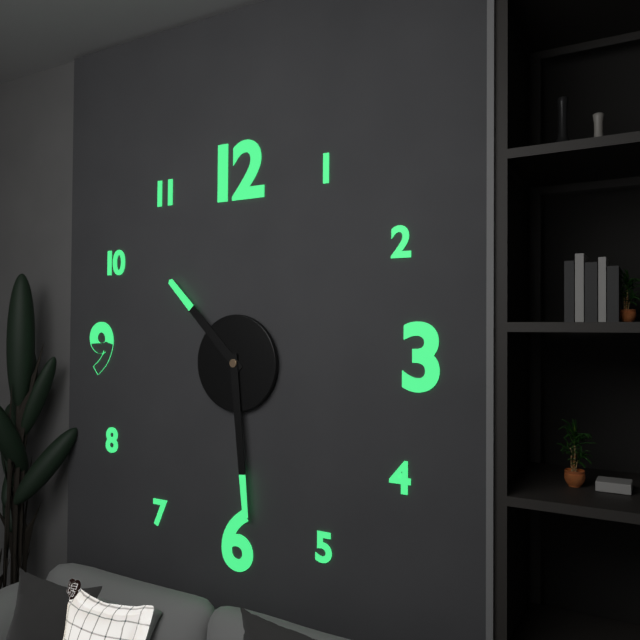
h=10 m=29
